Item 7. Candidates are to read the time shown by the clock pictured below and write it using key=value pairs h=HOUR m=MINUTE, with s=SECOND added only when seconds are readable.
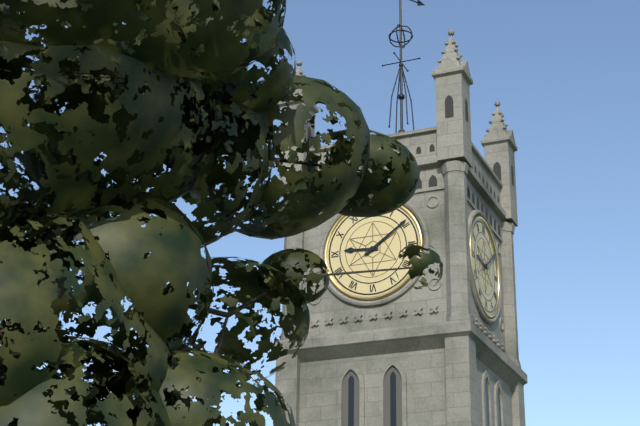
h=9 m=9
